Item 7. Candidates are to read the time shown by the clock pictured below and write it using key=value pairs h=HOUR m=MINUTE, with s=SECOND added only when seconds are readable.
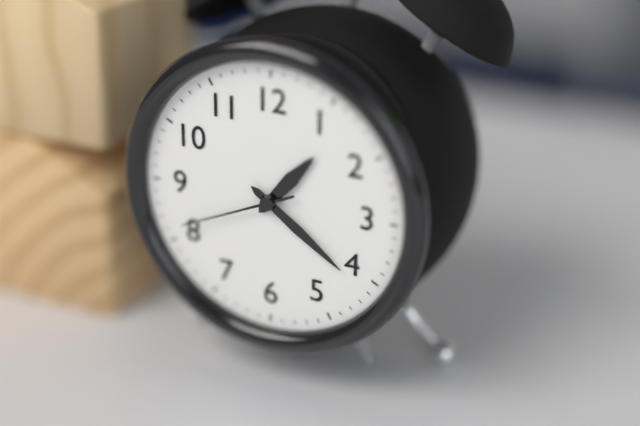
h=1 m=21 s=41
